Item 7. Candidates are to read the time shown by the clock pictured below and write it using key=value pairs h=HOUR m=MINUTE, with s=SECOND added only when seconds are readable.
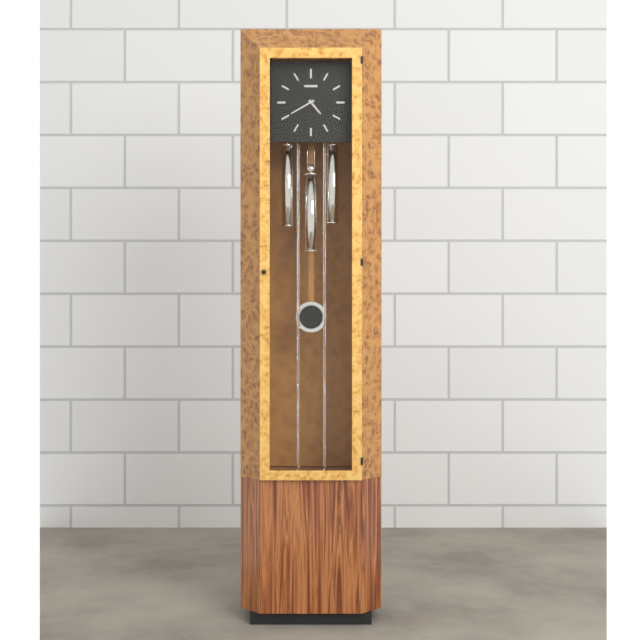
h=4 m=40
